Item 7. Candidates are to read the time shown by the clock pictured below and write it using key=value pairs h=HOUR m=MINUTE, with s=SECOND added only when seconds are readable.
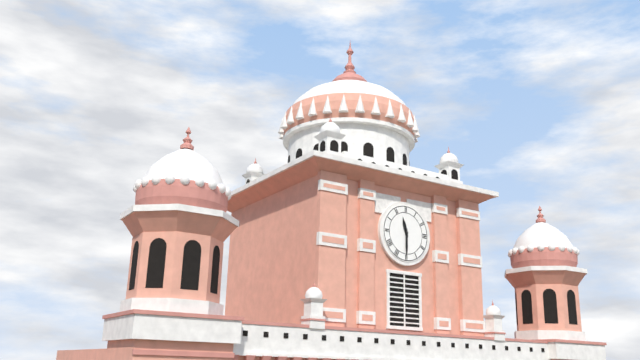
h=11 m=30
